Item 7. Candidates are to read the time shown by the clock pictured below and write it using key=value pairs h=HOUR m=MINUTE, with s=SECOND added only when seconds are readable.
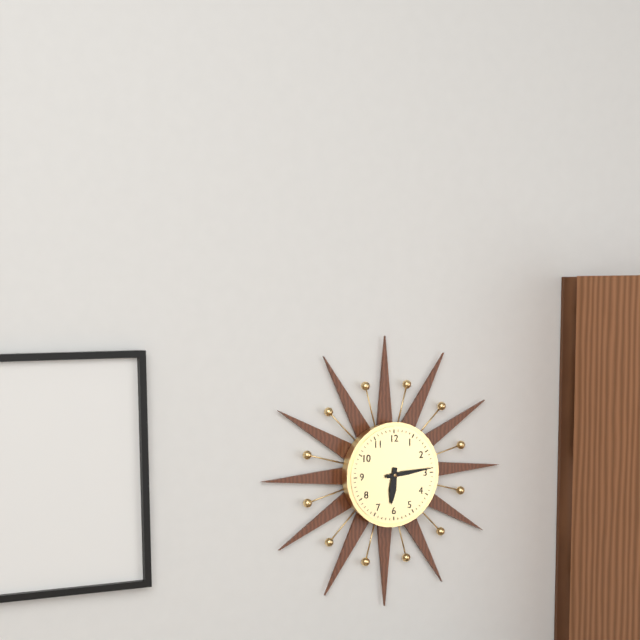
h=6 m=14
